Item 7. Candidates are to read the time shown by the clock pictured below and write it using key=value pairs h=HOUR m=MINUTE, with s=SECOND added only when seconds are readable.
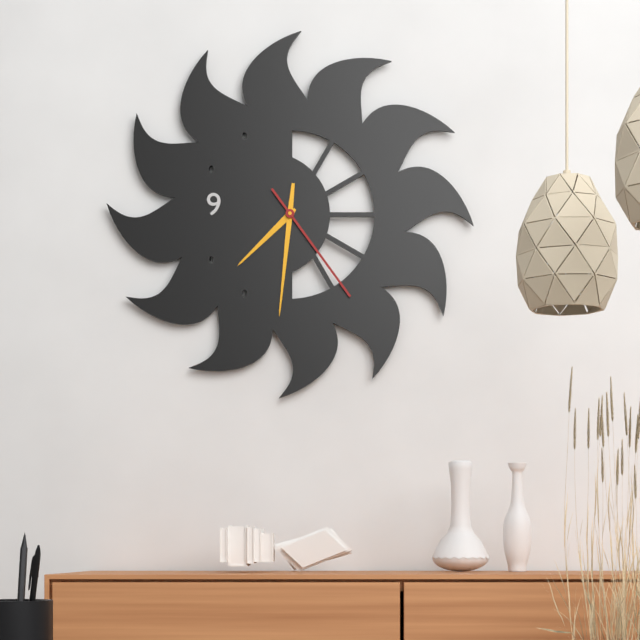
h=7 m=31 s=24
